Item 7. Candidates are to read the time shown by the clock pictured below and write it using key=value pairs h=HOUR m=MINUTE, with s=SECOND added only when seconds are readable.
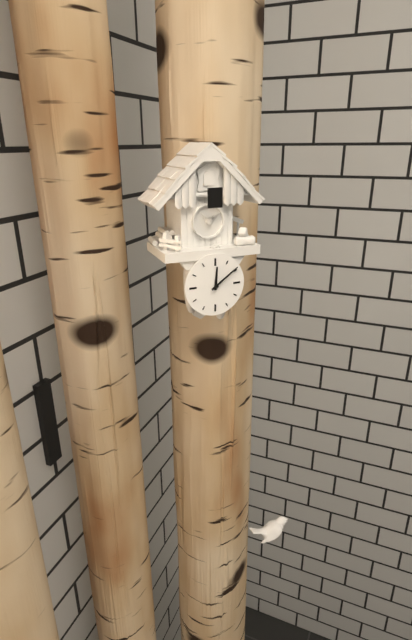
h=12 m=9
